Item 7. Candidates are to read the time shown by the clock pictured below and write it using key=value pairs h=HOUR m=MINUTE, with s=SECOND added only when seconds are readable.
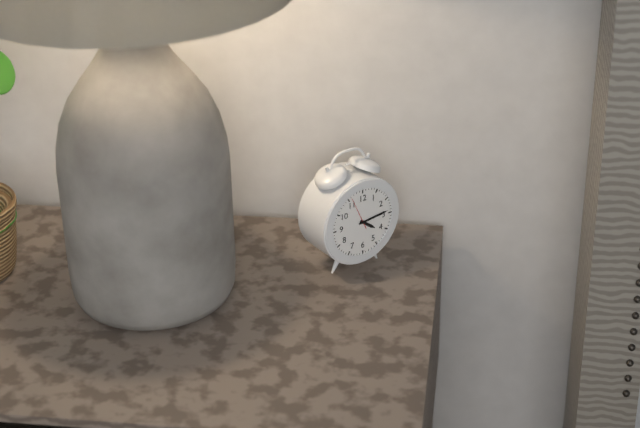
h=4 m=14
